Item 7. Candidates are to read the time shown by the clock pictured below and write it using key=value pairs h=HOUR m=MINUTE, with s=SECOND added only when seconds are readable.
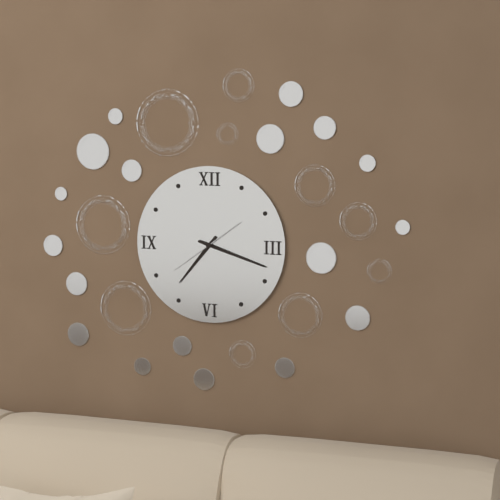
h=7 m=18 s=39
